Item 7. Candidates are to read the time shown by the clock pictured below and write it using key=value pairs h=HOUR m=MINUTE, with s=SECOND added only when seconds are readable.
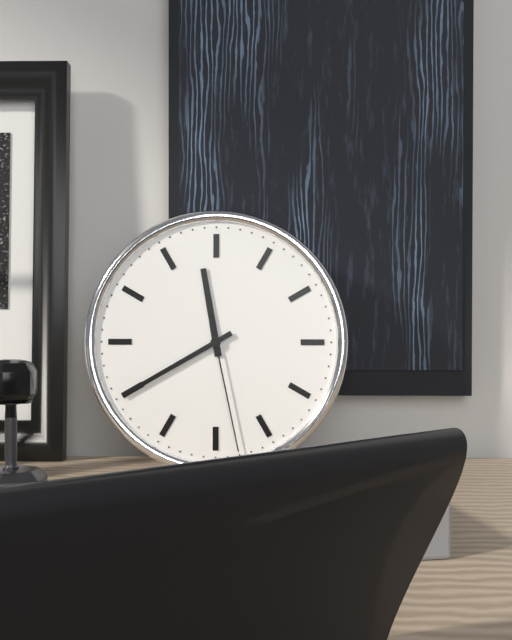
h=11 m=40 s=28
